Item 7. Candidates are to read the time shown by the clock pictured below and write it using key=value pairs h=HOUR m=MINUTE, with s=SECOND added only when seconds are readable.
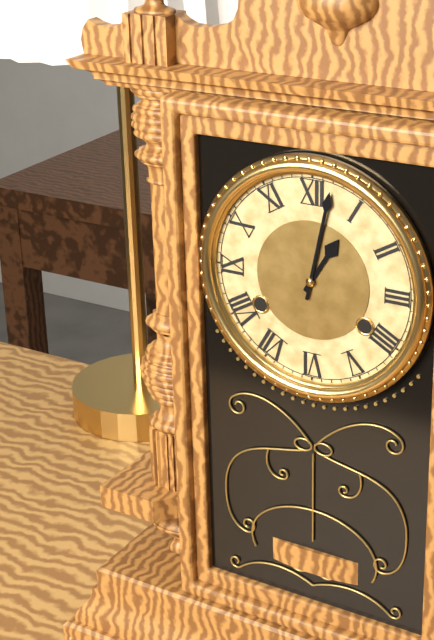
h=1 m=2
